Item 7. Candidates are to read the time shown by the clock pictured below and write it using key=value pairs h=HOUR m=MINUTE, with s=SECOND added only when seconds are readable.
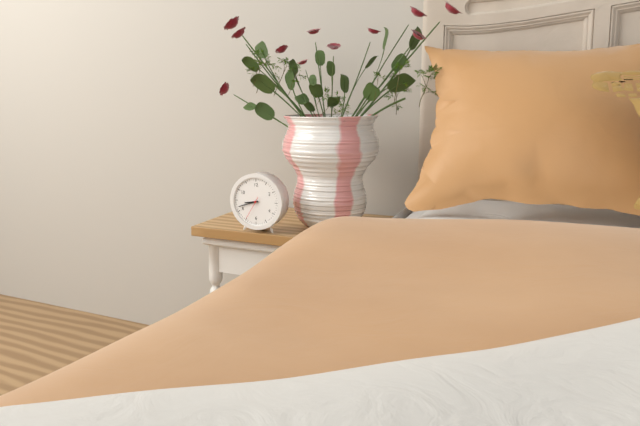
h=8 m=42
